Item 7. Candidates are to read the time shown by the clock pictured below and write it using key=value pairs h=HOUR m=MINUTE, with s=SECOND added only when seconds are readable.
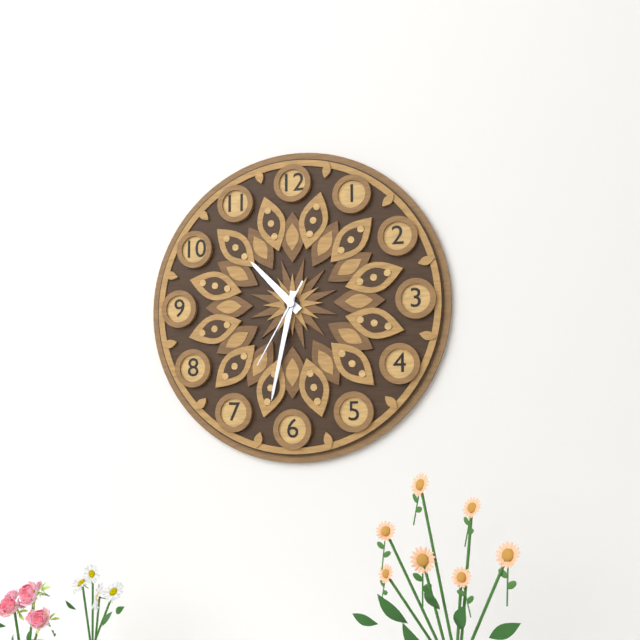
h=10 m=32 s=35
